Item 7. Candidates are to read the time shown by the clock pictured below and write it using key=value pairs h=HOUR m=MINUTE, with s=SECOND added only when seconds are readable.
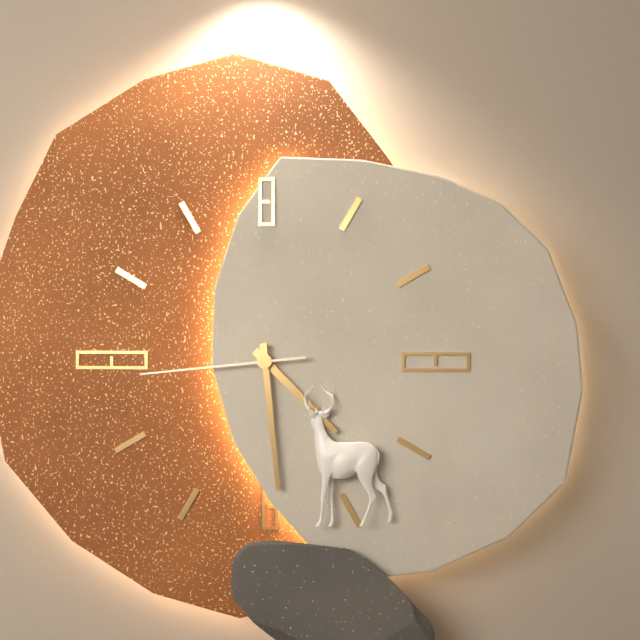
h=4 m=29 s=44
